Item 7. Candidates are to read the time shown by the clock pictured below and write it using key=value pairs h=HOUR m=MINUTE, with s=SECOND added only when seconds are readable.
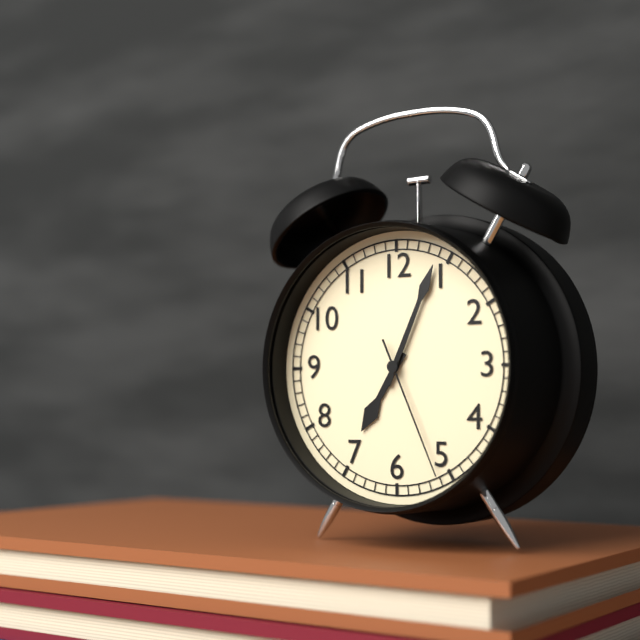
h=7 m=4 s=26
